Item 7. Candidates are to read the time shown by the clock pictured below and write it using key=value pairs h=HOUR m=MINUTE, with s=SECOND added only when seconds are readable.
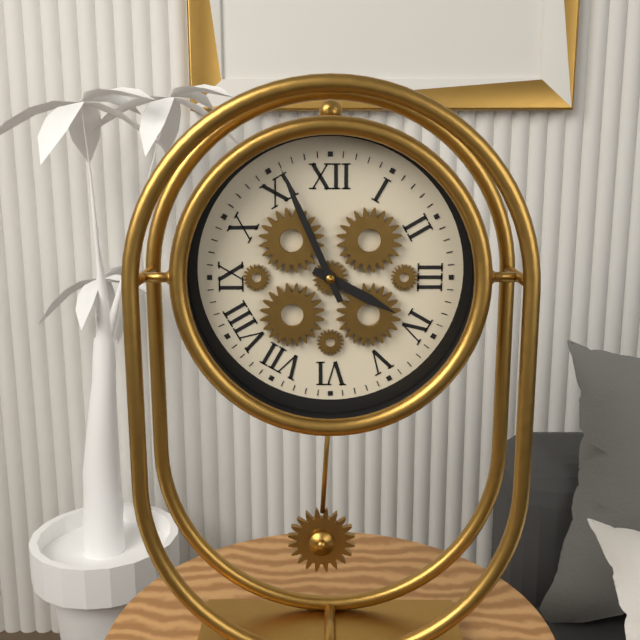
h=3 m=56
